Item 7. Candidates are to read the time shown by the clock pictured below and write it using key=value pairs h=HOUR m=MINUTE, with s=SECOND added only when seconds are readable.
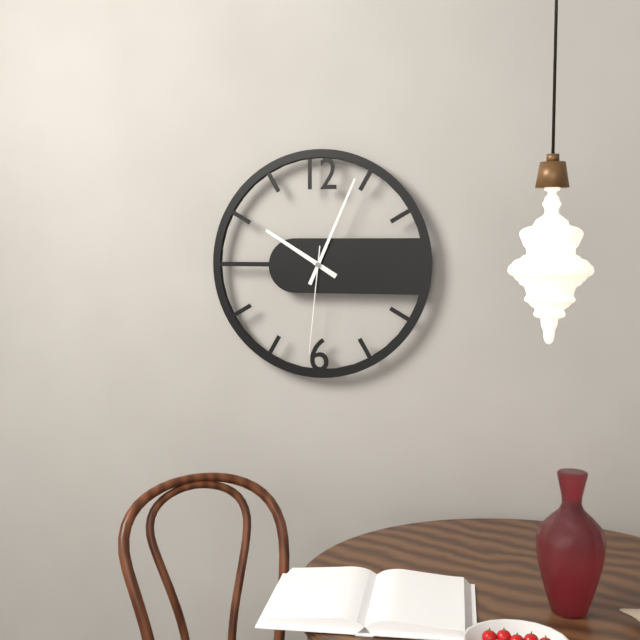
h=10 m=4 s=31
